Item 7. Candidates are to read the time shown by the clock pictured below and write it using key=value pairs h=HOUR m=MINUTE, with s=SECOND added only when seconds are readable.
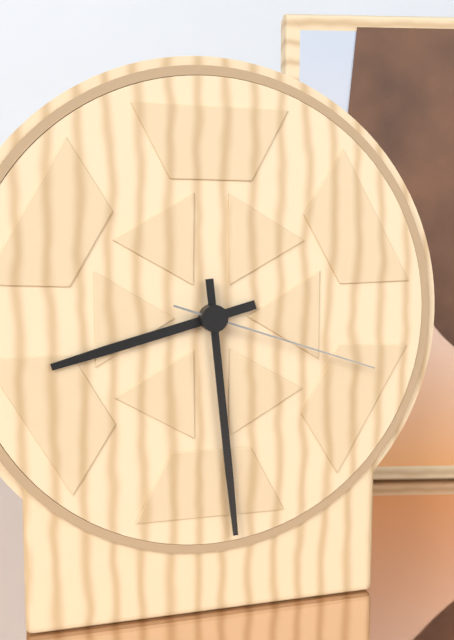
h=8 m=29 s=18
